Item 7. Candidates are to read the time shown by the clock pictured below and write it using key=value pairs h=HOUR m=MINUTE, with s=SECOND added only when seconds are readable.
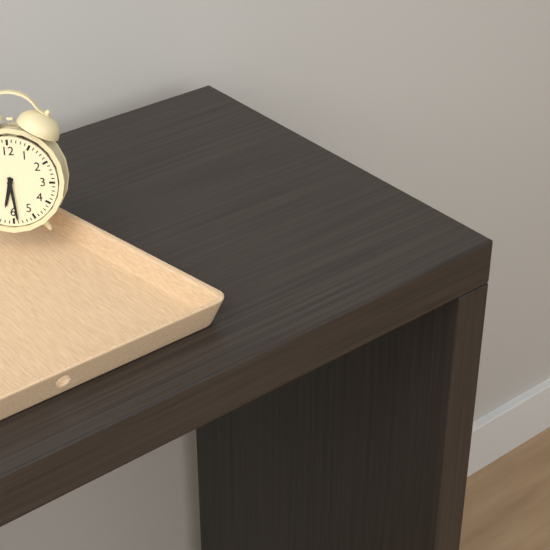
h=6 m=29
